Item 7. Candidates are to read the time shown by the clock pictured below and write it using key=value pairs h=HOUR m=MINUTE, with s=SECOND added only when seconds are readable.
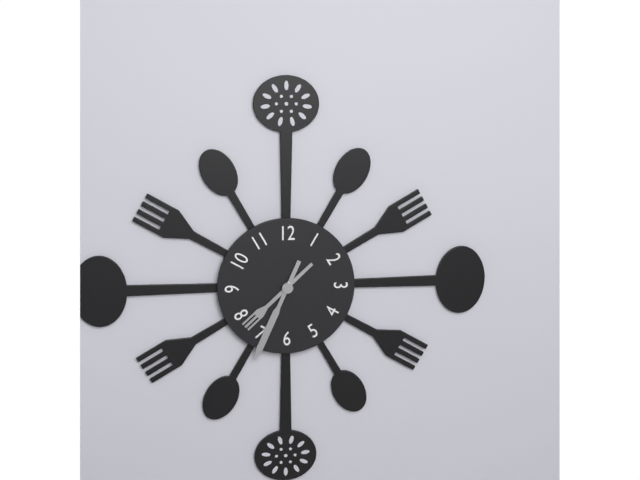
h=7 m=34
